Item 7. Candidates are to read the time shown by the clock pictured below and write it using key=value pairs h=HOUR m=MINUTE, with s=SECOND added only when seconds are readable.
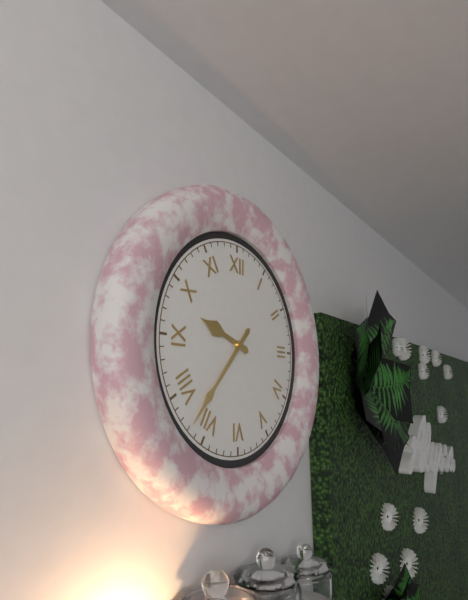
h=9 m=37
